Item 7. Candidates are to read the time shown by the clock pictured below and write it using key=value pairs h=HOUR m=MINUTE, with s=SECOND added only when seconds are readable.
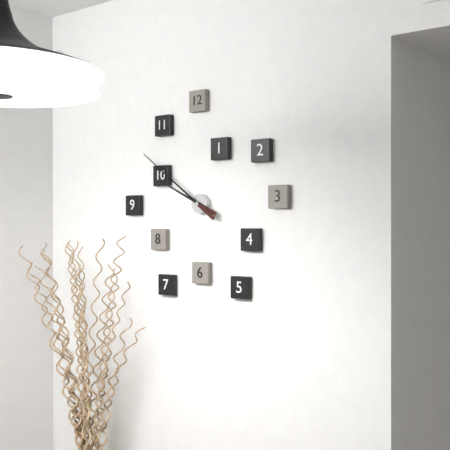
h=9 m=51
